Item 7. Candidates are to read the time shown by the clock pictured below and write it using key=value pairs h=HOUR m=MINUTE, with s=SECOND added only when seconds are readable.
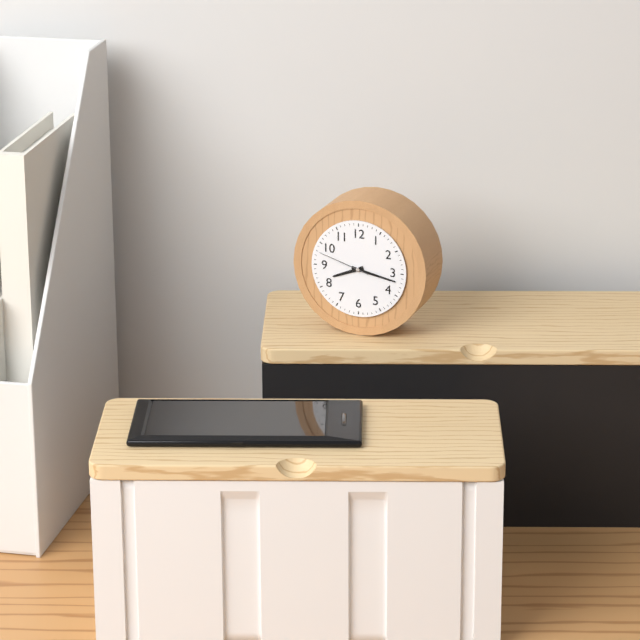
h=8 m=17 s=48
